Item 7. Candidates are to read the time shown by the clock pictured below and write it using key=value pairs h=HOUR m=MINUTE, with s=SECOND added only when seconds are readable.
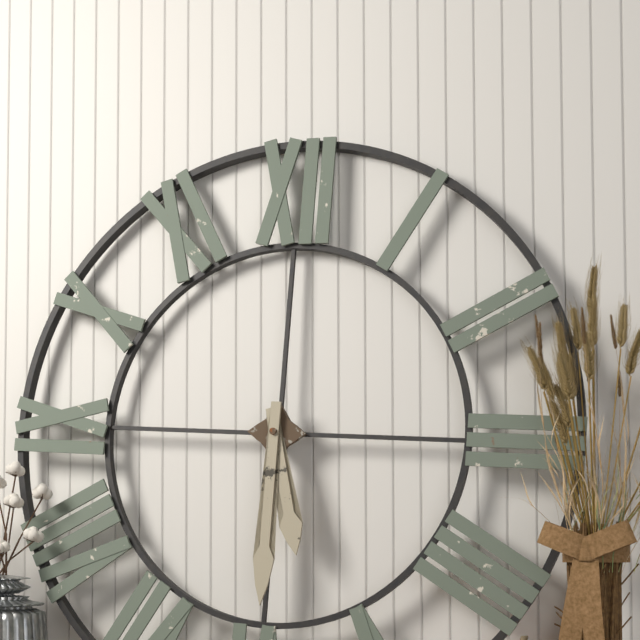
h=5 m=30
